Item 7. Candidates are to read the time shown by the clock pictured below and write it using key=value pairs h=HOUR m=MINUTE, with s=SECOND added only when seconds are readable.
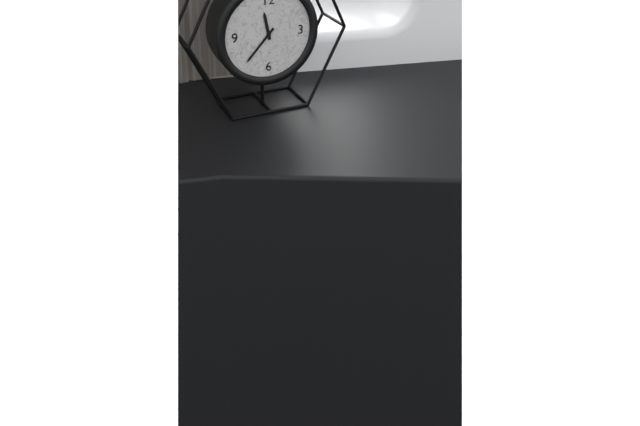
h=11 m=37
